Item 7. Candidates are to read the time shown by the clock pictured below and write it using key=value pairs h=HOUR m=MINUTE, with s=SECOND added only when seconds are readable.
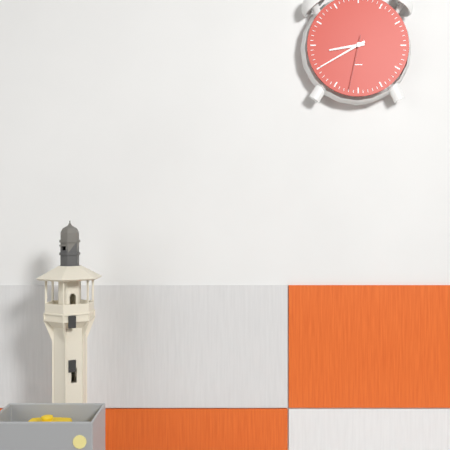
h=8 m=40 s=32
